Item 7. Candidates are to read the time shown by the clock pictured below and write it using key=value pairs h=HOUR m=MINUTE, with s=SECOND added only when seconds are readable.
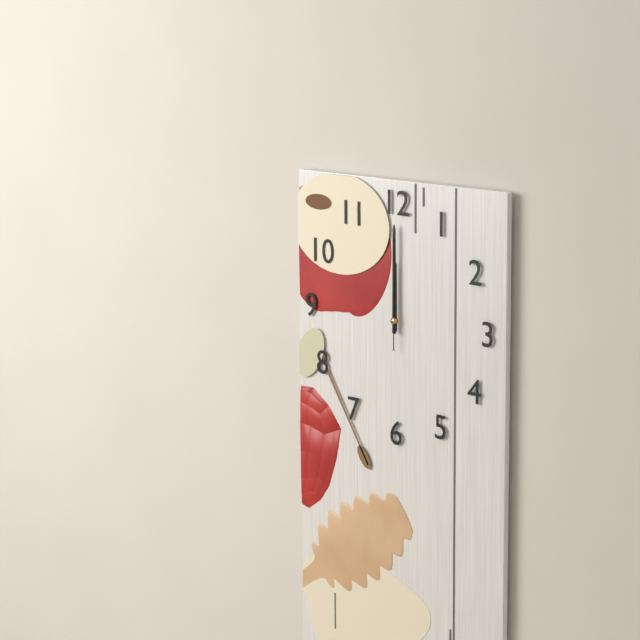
h=12 m=0 s=0
